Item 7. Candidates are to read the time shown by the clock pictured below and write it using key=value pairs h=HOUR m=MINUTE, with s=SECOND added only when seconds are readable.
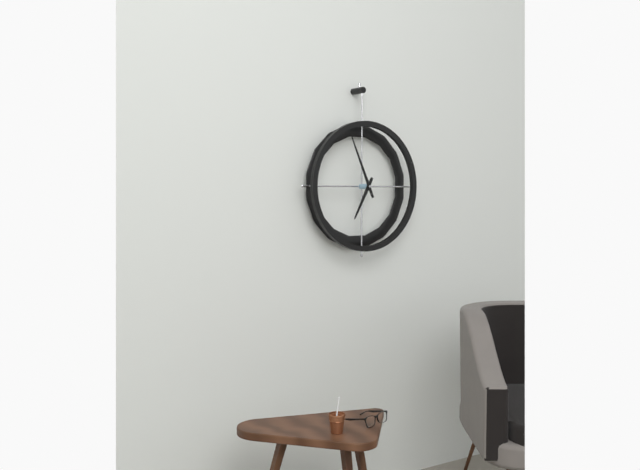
h=6 m=56
